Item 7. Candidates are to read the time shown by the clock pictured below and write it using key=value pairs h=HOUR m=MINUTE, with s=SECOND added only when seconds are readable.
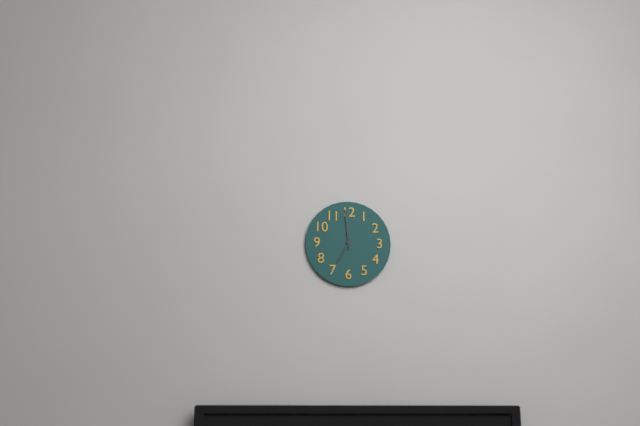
h=6 m=59
